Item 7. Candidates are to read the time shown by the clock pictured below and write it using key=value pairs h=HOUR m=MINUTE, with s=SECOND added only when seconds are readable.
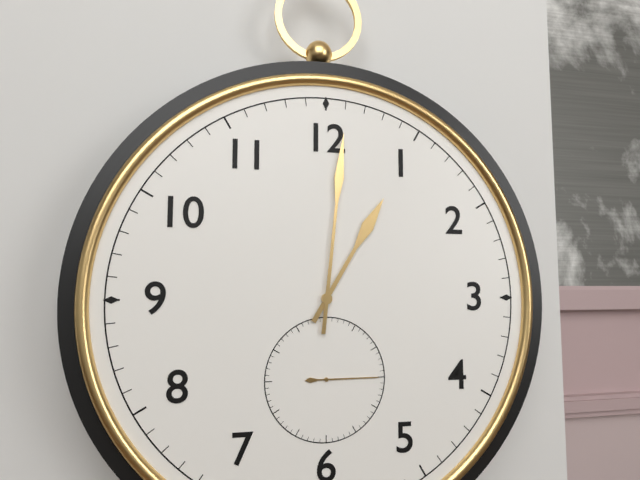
h=1 m=1 s=15
